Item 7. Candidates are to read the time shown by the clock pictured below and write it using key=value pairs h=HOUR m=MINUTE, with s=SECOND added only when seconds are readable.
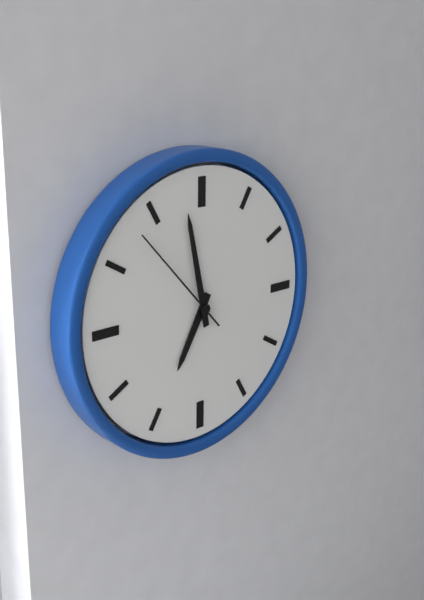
h=6 m=58 s=53
